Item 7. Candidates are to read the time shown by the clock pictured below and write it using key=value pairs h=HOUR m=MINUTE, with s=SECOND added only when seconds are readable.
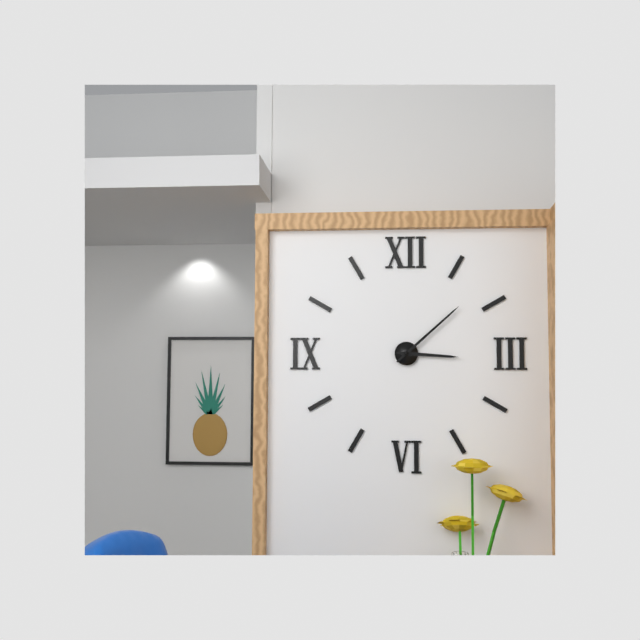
h=3 m=8
